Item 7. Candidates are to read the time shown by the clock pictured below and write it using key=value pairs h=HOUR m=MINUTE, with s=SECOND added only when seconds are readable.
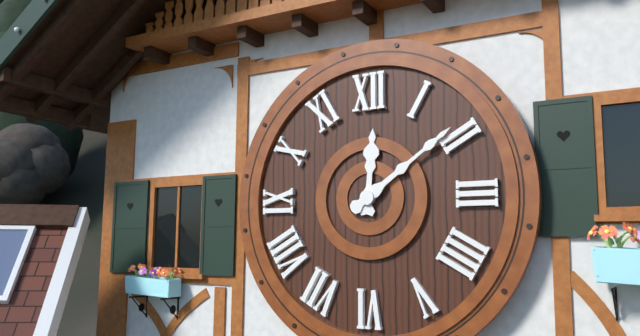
h=12 m=9
